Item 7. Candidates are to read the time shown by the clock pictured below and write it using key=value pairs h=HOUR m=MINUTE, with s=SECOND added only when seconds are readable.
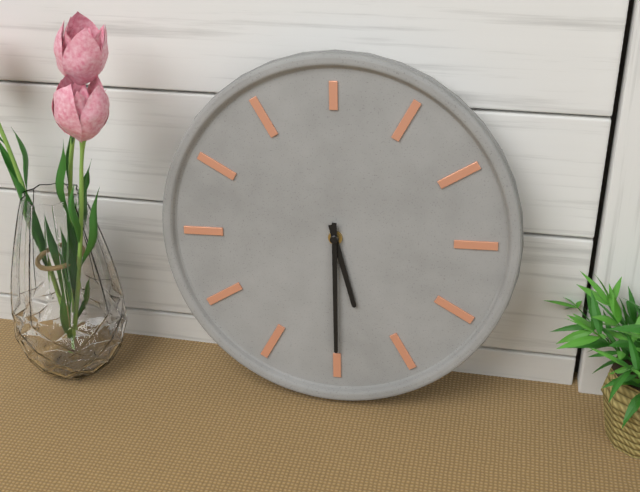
h=5 m=30
